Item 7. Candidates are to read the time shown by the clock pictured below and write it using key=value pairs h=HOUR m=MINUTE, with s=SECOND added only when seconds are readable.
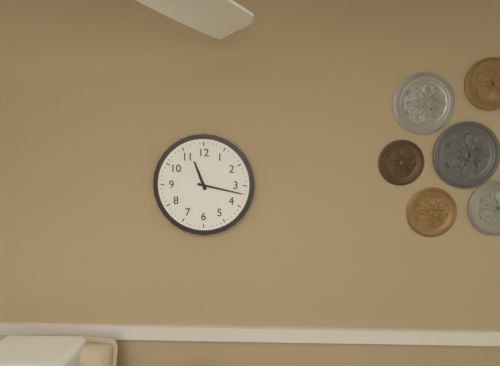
h=11 m=17
